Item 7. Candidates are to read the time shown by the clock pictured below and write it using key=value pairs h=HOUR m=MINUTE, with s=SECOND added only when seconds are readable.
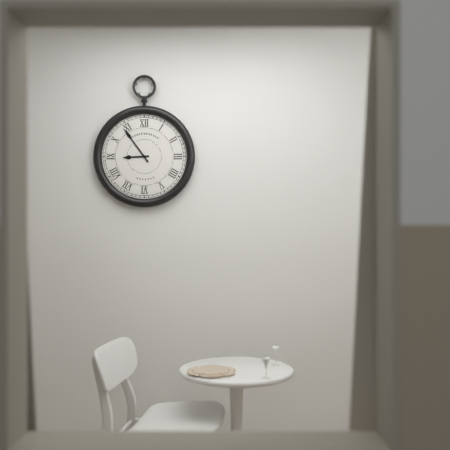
h=8 m=54
